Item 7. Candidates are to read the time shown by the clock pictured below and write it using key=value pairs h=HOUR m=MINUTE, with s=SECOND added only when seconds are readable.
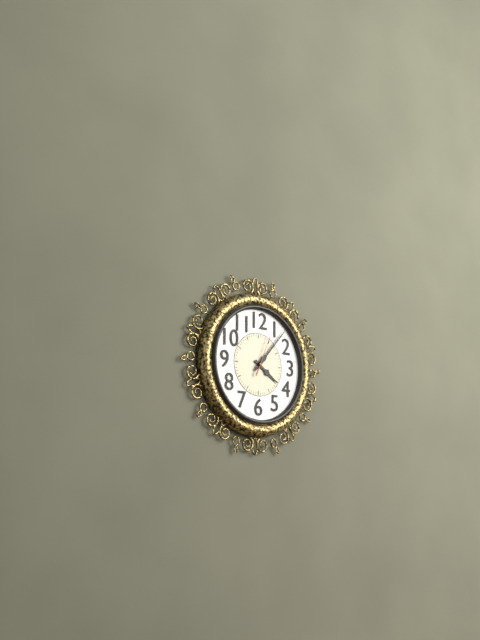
h=4 m=7
